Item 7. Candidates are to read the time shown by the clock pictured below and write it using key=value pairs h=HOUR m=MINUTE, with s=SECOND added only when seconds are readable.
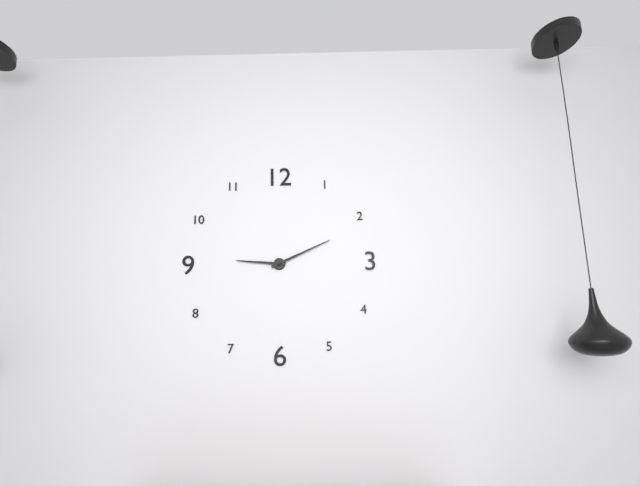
h=9 m=11
